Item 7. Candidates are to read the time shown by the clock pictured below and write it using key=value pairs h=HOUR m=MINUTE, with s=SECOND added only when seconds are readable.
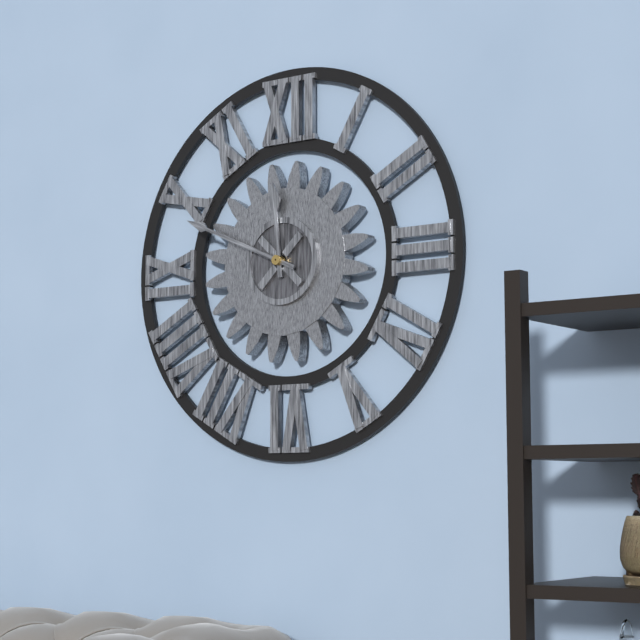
h=11 m=49
